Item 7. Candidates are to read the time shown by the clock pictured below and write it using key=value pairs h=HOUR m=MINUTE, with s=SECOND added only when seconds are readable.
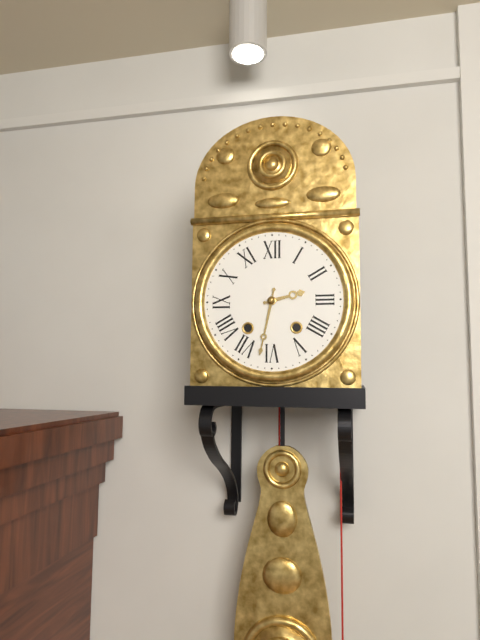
h=2 m=32
